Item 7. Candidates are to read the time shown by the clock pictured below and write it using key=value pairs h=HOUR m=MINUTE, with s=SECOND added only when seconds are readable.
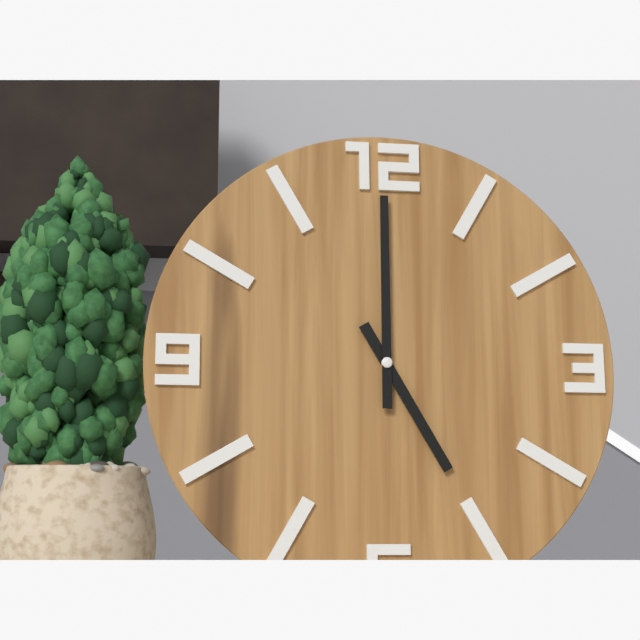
h=5 m=0
